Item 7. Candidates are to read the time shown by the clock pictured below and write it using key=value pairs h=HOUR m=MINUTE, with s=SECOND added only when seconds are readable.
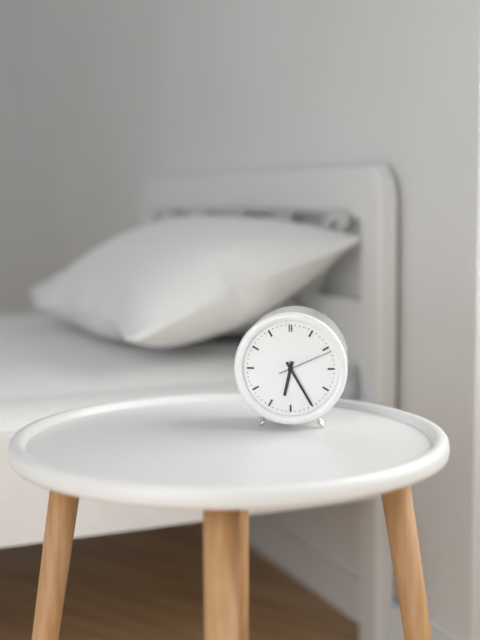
h=6 m=25 s=11
